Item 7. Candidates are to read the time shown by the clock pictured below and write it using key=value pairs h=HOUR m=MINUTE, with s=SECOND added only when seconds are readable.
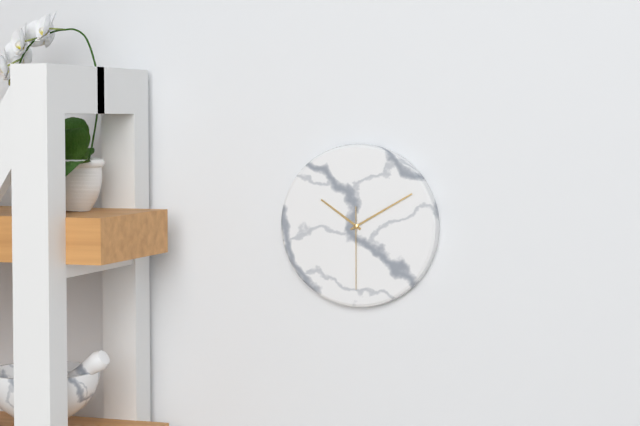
h=10 m=10 s=30
